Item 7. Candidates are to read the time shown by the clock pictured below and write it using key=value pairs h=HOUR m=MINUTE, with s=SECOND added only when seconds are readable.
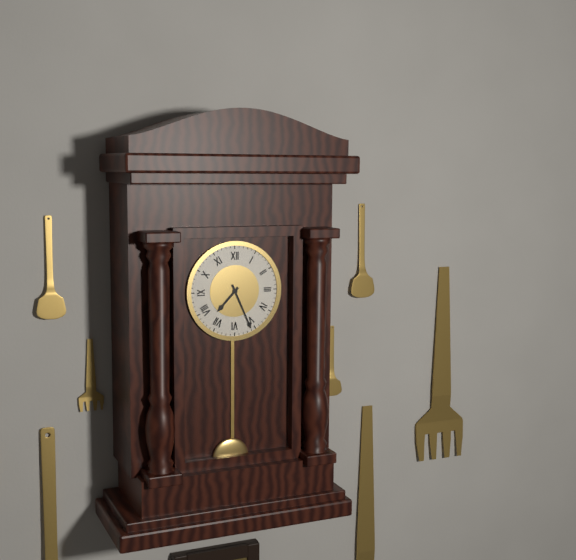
h=7 m=26
